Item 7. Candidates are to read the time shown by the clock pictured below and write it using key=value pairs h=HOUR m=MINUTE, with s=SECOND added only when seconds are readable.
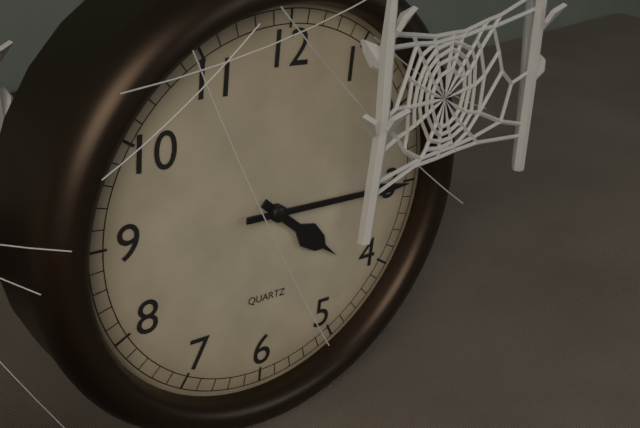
h=4 m=15
